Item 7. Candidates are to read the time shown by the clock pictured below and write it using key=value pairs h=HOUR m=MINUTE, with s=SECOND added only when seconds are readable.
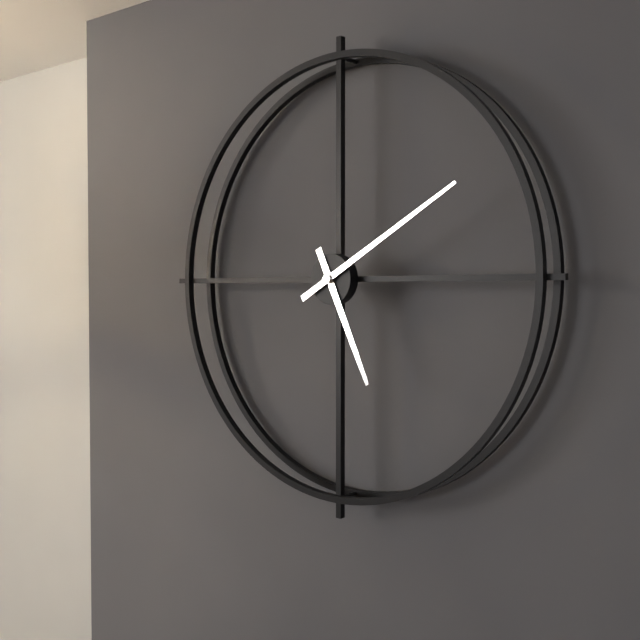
h=5 m=10
